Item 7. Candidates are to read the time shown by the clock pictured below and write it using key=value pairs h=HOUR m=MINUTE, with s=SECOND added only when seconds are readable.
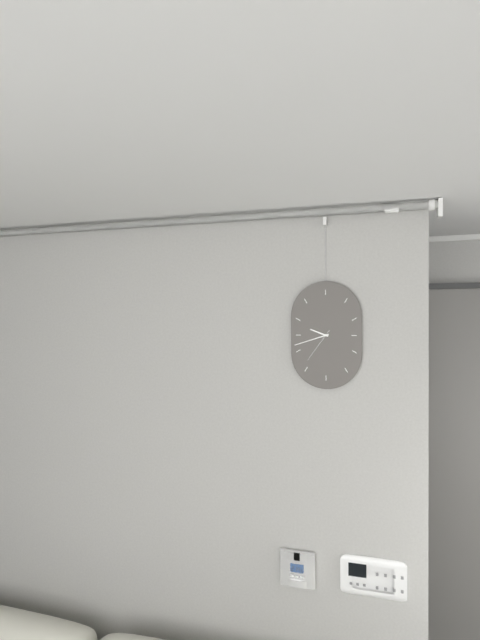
h=9 m=42
